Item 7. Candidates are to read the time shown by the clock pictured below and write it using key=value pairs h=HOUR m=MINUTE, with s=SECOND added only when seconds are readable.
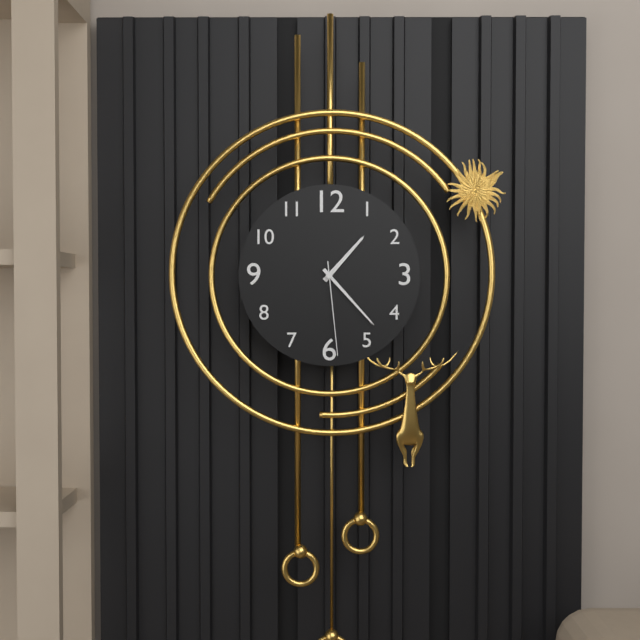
h=1 m=23 s=29
